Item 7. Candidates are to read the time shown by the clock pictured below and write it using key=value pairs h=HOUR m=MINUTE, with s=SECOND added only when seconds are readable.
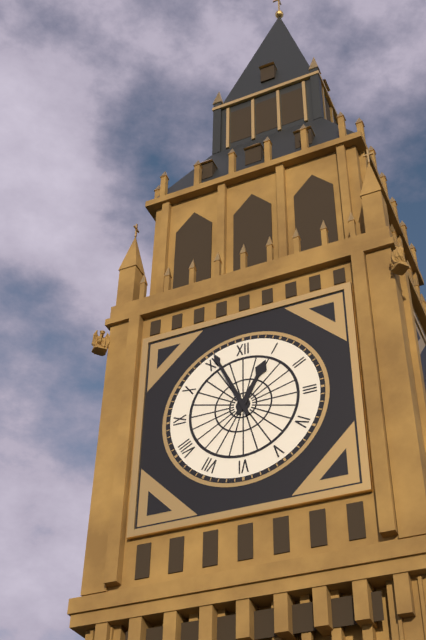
h=12 m=56
